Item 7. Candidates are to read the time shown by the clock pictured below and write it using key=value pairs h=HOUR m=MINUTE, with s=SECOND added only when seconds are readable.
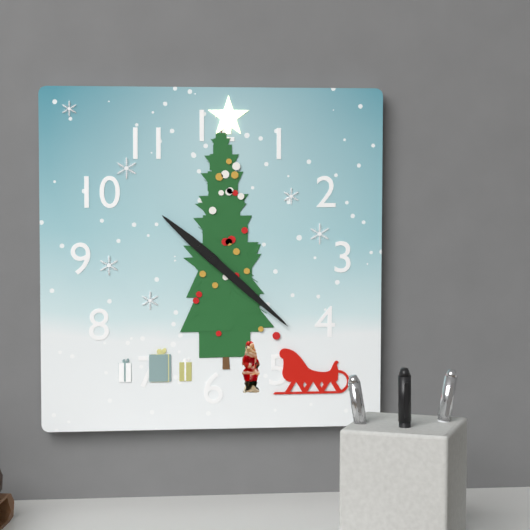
h=10 m=22
